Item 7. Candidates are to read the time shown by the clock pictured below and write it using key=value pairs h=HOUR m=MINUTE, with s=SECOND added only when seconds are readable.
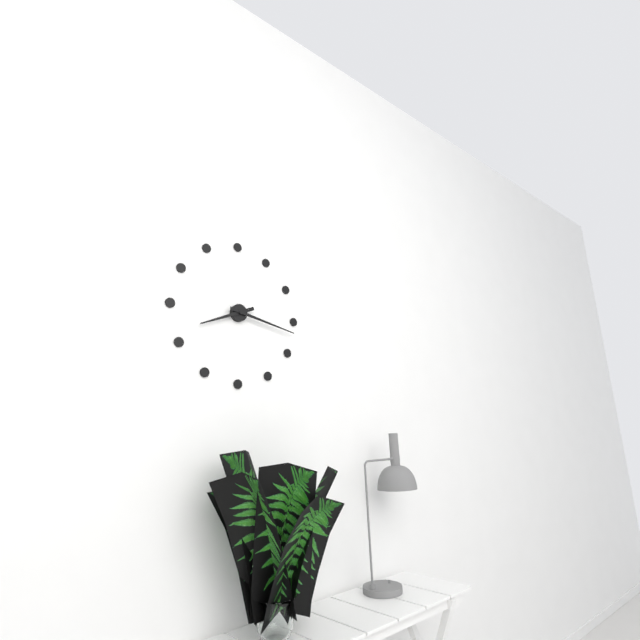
h=8 m=17
